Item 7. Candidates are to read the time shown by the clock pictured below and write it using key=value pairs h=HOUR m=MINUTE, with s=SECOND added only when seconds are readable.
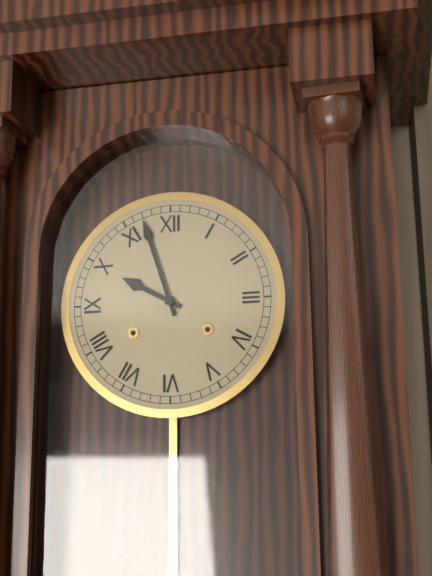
h=9 m=57
